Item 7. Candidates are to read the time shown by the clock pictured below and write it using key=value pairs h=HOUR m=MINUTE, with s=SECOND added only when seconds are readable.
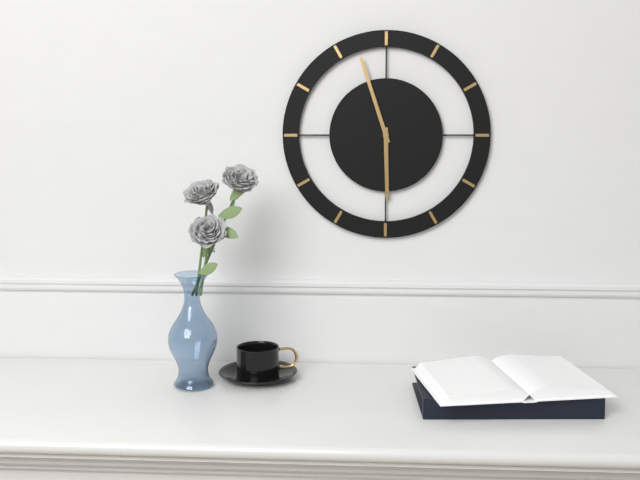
h=5 m=57
